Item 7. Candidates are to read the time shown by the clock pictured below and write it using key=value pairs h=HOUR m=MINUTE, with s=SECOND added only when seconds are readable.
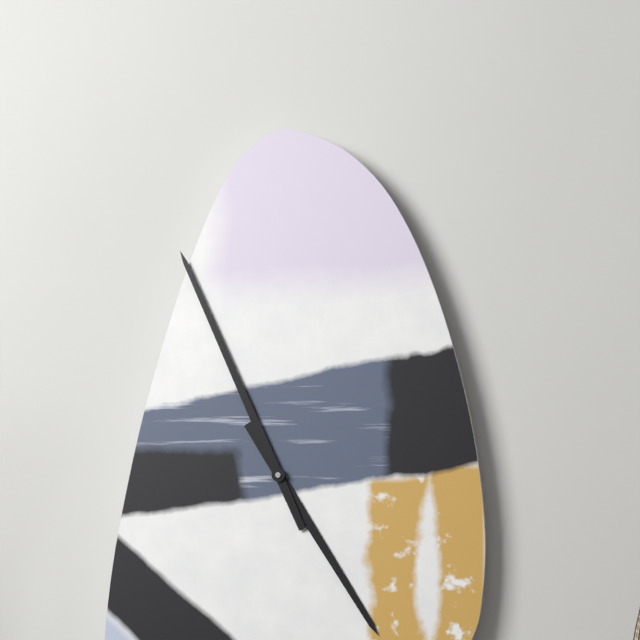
h=4 m=56
